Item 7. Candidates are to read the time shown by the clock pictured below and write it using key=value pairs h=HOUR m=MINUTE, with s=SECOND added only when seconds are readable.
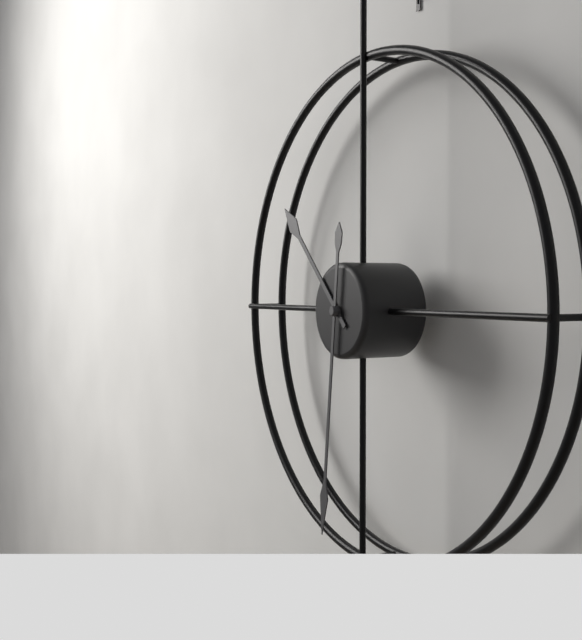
h=10 m=31
